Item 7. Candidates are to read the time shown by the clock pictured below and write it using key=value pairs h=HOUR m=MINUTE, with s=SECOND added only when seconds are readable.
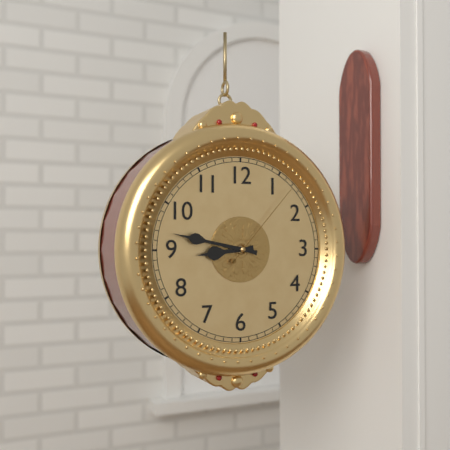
h=8 m=47 s=7
